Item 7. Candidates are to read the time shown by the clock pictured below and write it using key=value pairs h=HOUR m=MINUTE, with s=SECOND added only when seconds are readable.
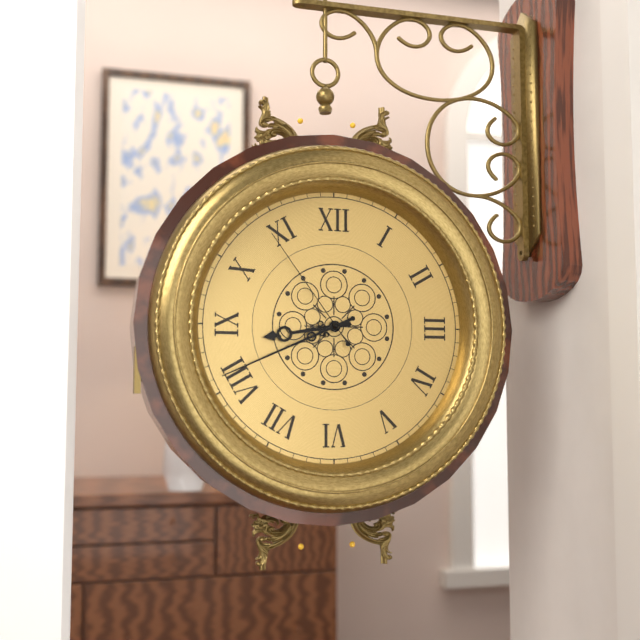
h=8 m=41 s=54
